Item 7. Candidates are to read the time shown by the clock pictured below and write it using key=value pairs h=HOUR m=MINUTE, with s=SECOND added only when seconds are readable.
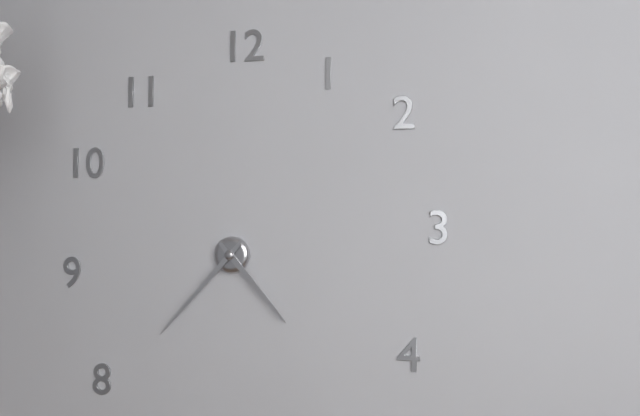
h=4 m=37
